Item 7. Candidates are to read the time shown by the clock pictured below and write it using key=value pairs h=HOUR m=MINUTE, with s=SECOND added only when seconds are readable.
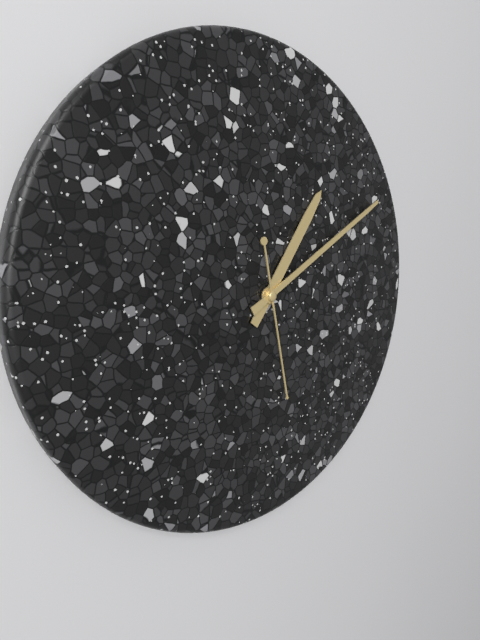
h=1 m=10 s=28
